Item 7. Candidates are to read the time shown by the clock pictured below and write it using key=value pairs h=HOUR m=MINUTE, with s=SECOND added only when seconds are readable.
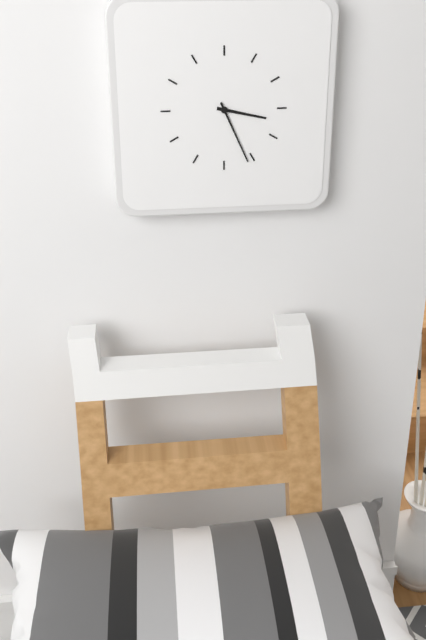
h=3 m=26
